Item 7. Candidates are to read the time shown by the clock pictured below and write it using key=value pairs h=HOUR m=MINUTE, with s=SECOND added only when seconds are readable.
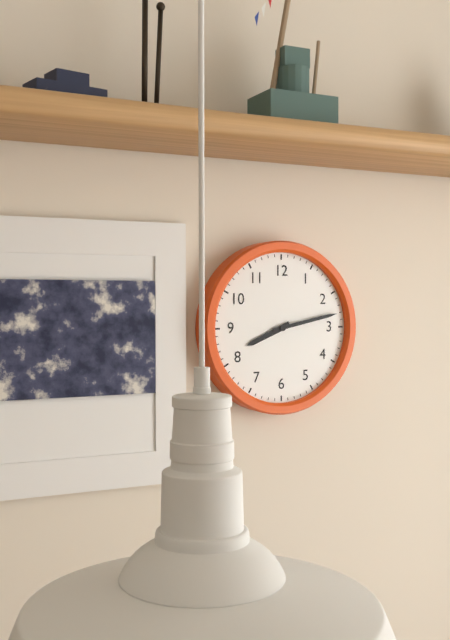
h=8 m=13
